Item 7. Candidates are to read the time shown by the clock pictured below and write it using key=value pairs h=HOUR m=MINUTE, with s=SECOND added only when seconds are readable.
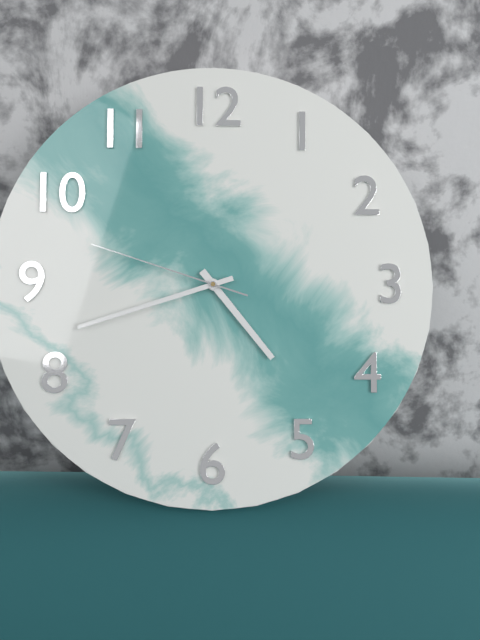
h=4 m=42 s=48
